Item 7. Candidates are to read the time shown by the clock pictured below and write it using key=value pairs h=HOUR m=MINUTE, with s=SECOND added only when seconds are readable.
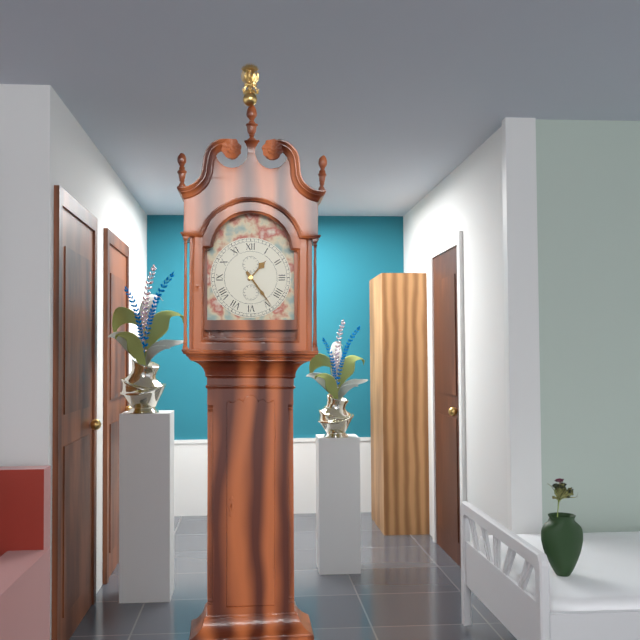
h=1 m=24
